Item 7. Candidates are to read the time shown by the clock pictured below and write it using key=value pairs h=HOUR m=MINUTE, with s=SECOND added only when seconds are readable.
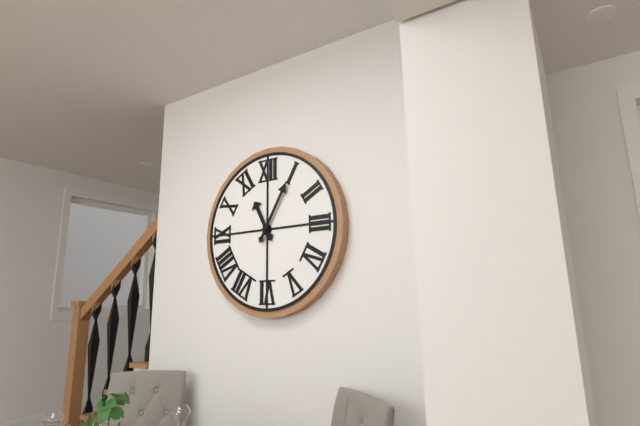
h=11 m=5
